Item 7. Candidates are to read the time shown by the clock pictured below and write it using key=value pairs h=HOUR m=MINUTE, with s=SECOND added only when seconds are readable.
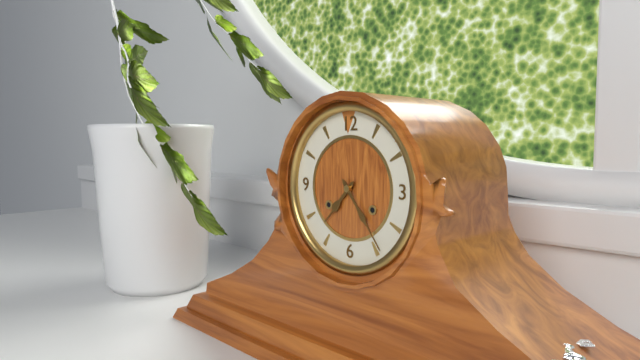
h=7 m=24
